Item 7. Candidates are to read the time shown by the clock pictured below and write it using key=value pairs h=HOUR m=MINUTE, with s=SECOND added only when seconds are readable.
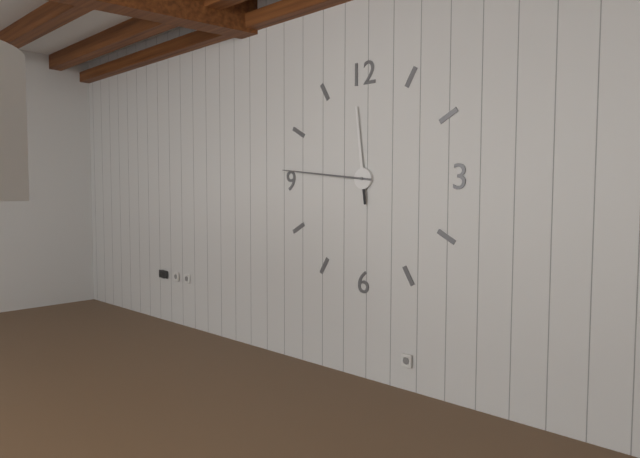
h=11 m=46
